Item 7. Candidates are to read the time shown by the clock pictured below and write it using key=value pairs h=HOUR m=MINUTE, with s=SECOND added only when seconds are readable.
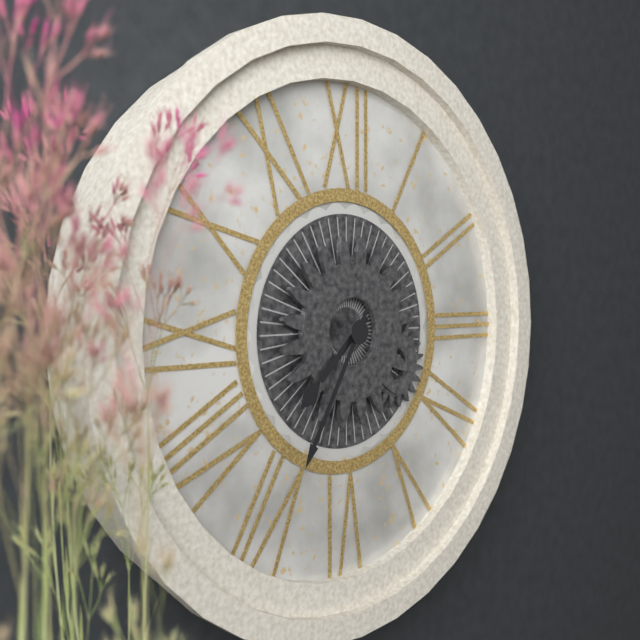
h=7 m=35
